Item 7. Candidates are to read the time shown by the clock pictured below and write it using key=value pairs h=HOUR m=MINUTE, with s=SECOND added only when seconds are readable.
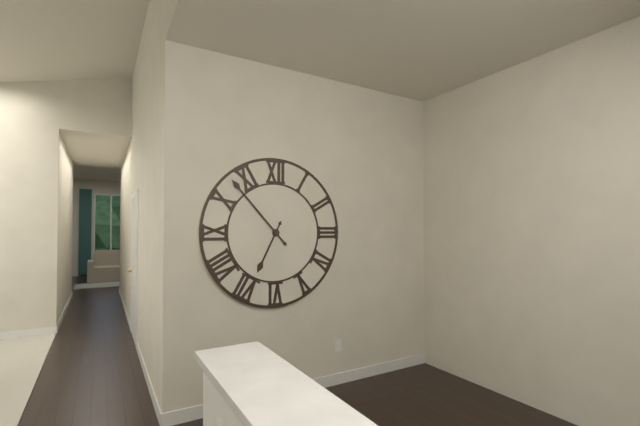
h=6 m=53
